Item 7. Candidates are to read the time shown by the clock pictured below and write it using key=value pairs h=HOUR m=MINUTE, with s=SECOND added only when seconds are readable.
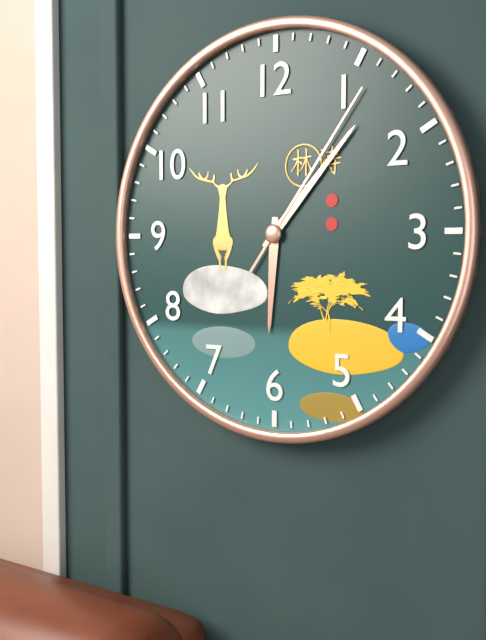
h=6 m=7 s=6
